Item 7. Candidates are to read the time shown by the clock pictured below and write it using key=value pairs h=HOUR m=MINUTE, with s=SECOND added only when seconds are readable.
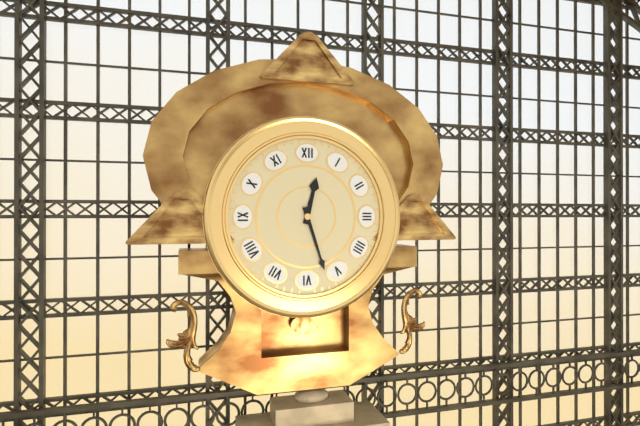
h=12 m=27
